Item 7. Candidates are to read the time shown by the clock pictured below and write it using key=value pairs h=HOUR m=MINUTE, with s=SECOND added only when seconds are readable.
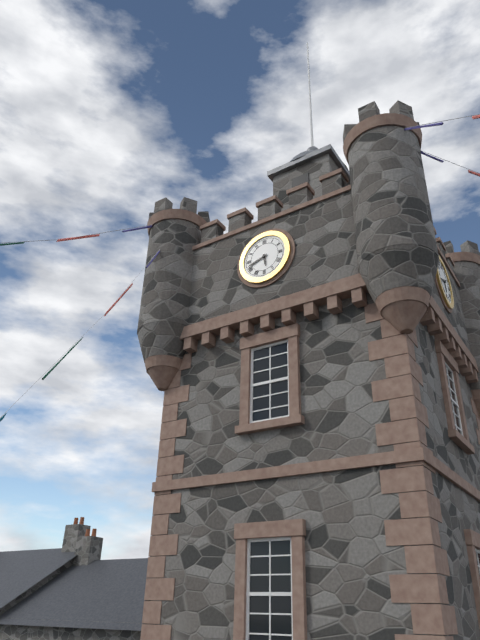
h=5 m=42
